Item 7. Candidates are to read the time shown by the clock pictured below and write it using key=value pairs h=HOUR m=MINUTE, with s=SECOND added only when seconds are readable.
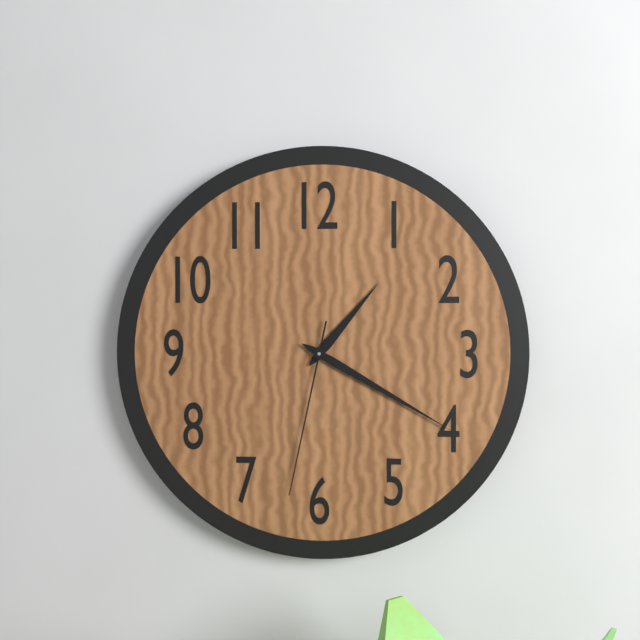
h=1 m=20 s=32
